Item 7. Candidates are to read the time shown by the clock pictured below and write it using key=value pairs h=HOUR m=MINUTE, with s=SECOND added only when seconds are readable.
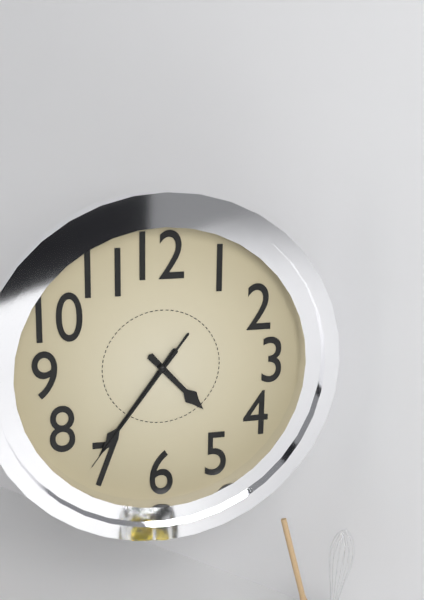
h=4 m=36 s=36
